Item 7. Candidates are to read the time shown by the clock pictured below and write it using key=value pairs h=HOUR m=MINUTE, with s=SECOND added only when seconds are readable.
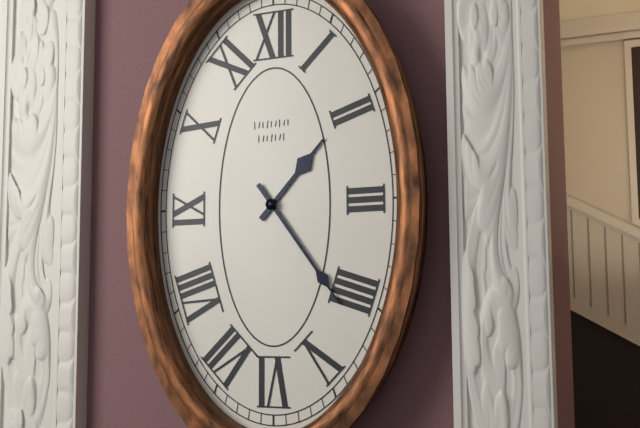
h=1 m=24
